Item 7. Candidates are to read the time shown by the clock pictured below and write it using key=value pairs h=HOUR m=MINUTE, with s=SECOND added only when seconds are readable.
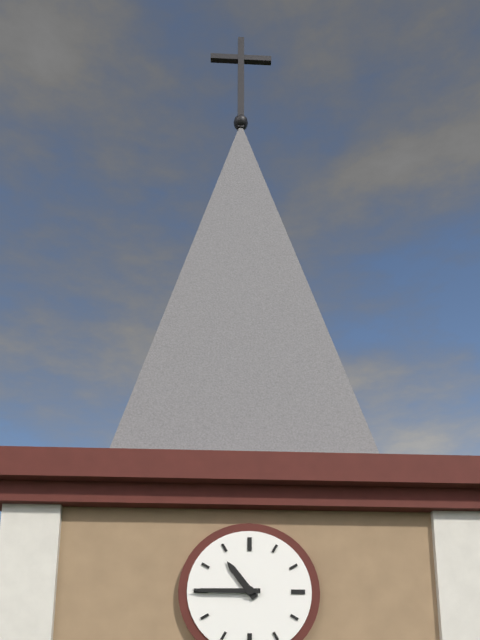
h=10 m=45
